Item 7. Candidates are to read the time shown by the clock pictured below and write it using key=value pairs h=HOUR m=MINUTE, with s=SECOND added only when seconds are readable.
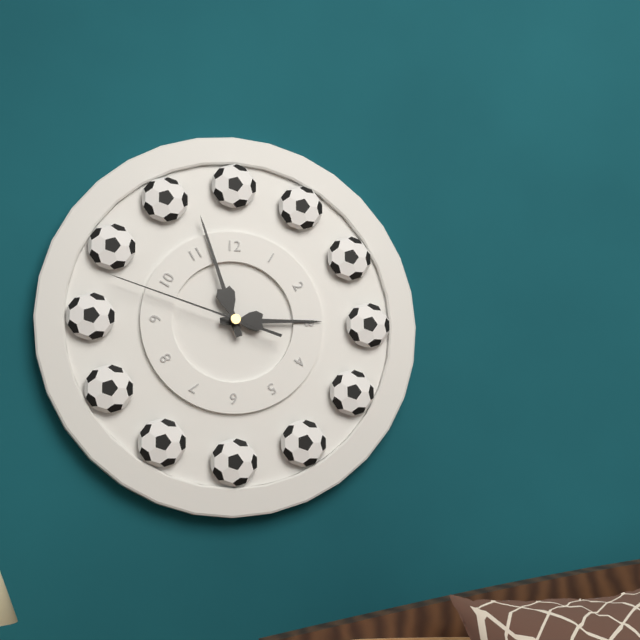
h=2 m=57 s=48
